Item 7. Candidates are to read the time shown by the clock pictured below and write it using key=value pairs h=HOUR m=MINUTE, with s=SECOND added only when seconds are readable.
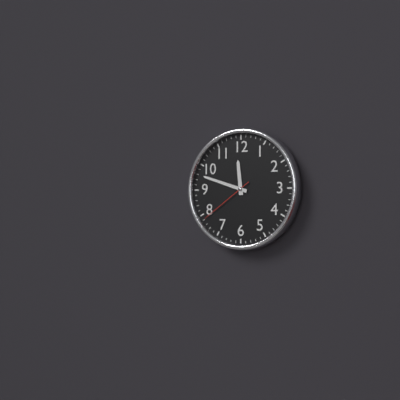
h=11 m=48 s=39
